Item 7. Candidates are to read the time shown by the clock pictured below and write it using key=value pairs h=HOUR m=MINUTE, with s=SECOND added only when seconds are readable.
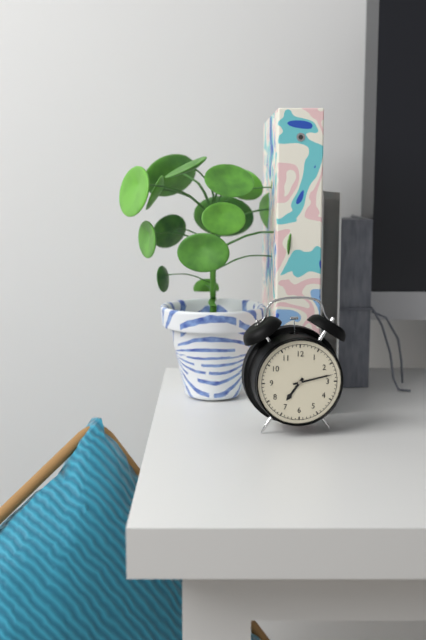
h=7 m=13
